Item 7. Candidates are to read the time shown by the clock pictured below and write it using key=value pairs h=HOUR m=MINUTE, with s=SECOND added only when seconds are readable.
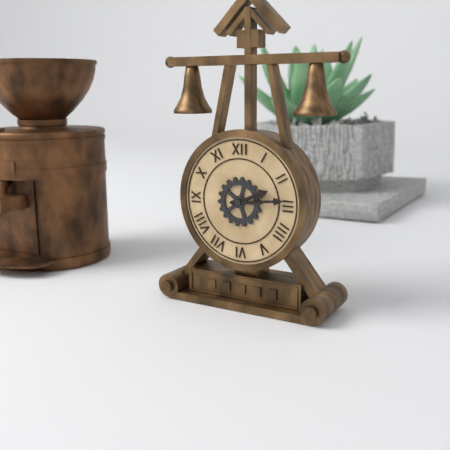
h=2 m=14
